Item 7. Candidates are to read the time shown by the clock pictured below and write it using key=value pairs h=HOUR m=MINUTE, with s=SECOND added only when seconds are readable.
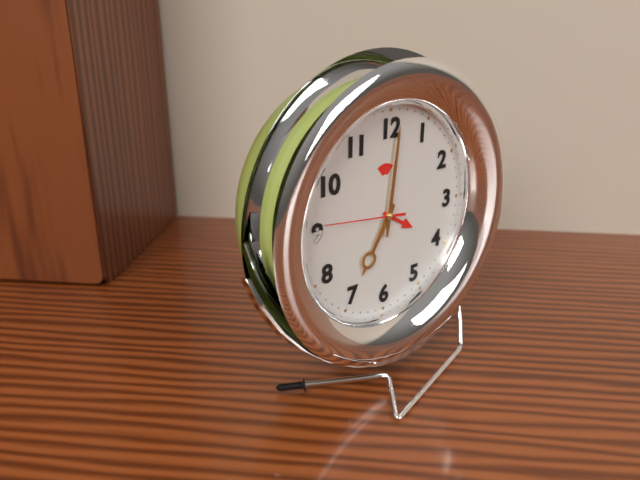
h=7 m=1 s=46
